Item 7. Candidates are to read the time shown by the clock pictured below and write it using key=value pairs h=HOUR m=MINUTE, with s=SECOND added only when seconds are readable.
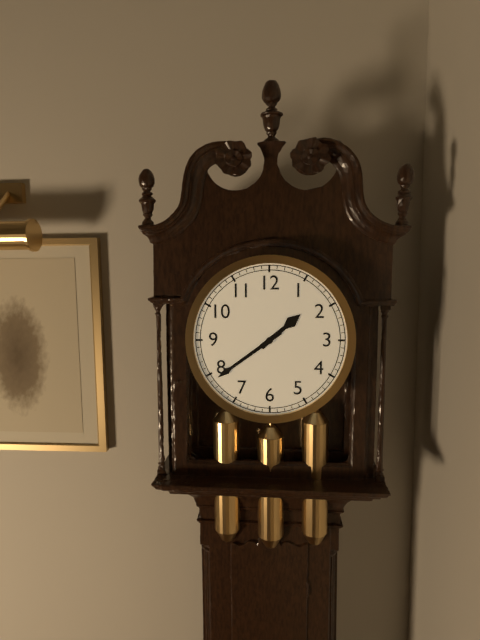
h=1 m=39
